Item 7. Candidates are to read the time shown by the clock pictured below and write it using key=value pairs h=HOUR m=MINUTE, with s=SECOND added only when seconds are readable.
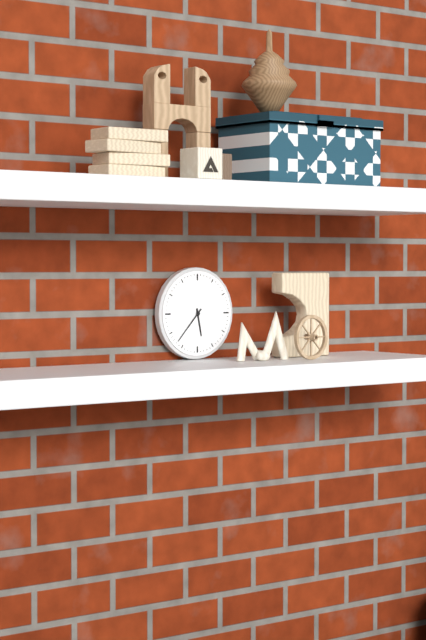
h=5 m=37
